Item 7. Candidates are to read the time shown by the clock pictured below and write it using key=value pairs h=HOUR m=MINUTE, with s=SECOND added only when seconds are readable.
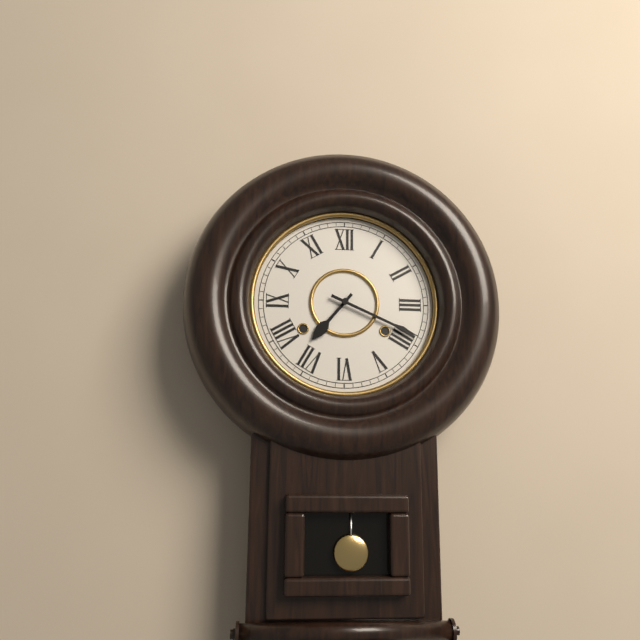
h=7 m=19
